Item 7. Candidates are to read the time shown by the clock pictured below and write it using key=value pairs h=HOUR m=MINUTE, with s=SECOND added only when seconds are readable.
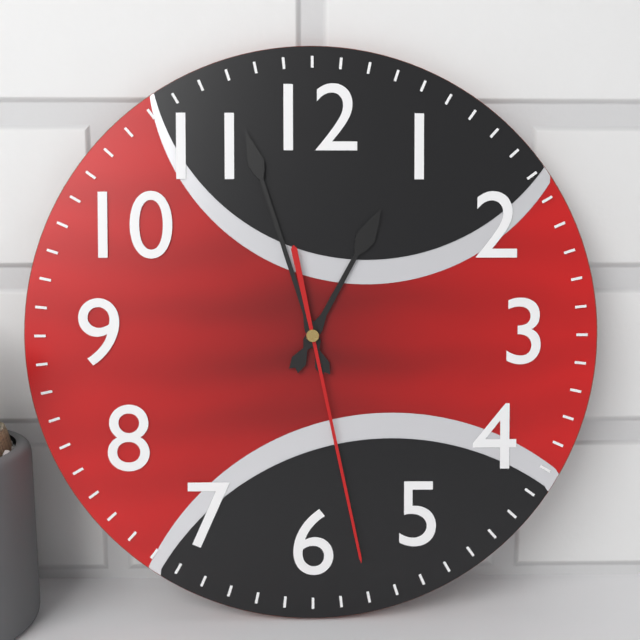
h=12 m=57 s=28
